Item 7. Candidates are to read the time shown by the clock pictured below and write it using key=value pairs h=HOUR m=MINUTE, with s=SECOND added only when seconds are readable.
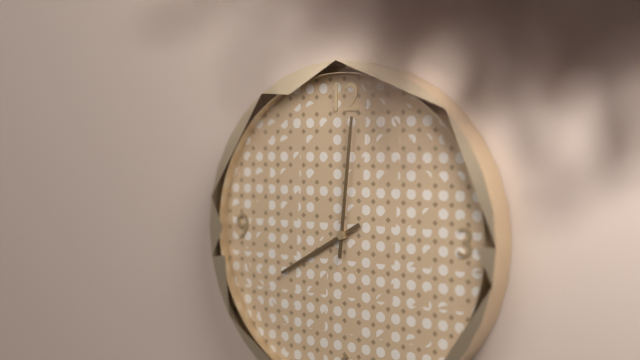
h=8 m=1
